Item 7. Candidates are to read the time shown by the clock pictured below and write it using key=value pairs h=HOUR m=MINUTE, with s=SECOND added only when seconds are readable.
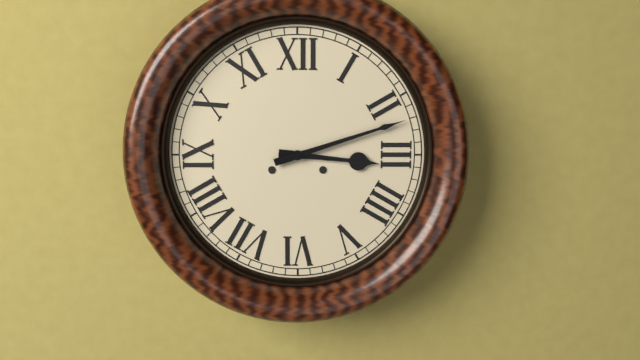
h=3 m=12
